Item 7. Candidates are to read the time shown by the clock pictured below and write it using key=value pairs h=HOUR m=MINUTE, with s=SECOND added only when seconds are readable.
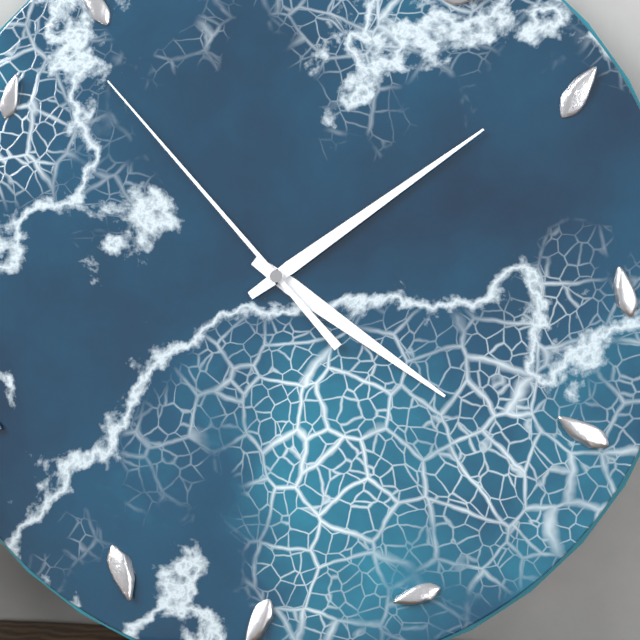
h=4 m=9 s=53
